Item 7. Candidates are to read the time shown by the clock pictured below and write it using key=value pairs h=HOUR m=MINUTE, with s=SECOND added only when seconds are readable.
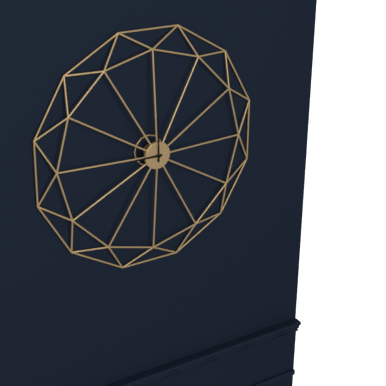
h=9 m=0
